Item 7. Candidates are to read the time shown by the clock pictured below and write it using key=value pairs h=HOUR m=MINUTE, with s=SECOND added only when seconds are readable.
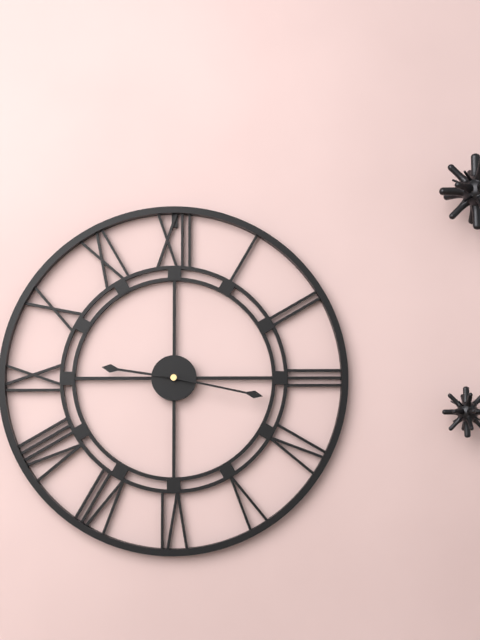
h=9 m=17
